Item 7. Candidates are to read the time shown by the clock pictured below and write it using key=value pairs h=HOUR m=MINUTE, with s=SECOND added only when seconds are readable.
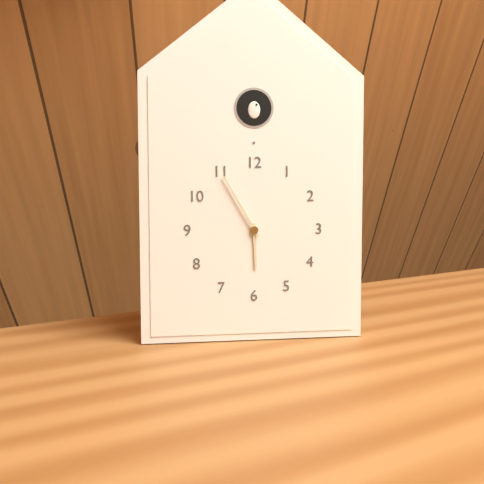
h=5 m=55
